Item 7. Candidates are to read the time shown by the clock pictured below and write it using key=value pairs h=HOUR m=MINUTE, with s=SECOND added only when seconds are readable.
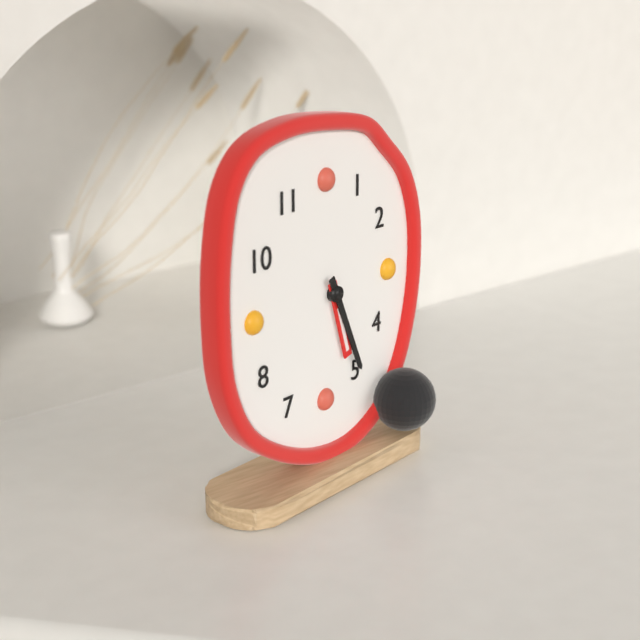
h=5 m=26
